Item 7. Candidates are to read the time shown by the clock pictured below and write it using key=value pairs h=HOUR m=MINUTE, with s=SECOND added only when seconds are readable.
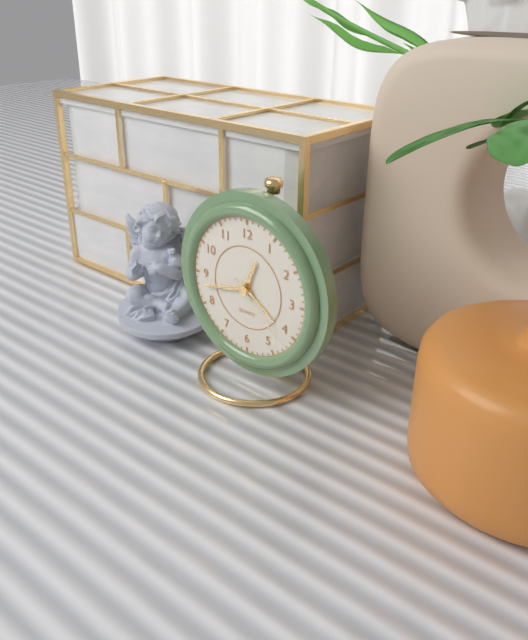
h=12 m=43 s=22
